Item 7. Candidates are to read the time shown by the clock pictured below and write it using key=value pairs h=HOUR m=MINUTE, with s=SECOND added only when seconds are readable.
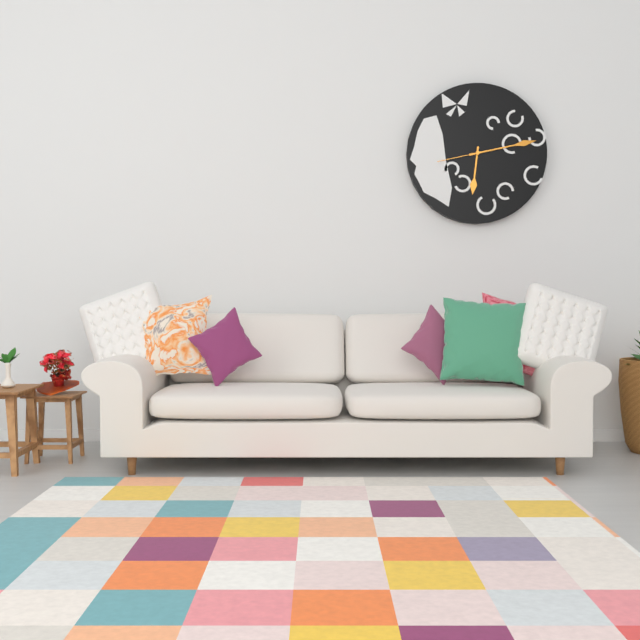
h=6 m=13 s=43
